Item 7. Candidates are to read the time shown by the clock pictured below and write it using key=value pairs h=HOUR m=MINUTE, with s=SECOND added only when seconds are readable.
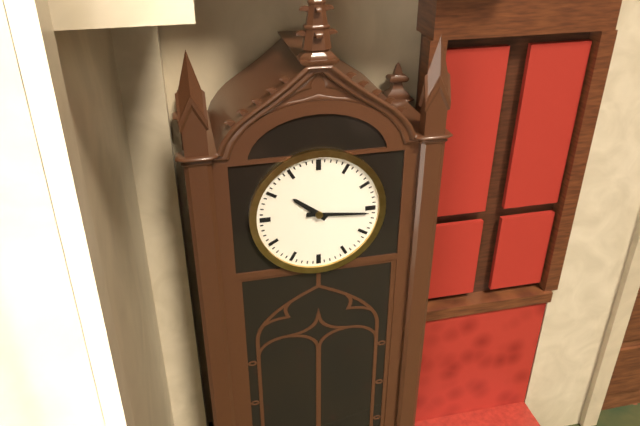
h=10 m=16
